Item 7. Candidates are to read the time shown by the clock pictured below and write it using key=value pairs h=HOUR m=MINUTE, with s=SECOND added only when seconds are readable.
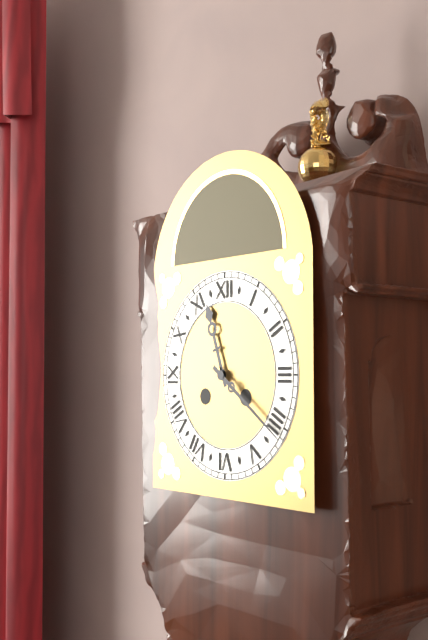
h=11 m=21
